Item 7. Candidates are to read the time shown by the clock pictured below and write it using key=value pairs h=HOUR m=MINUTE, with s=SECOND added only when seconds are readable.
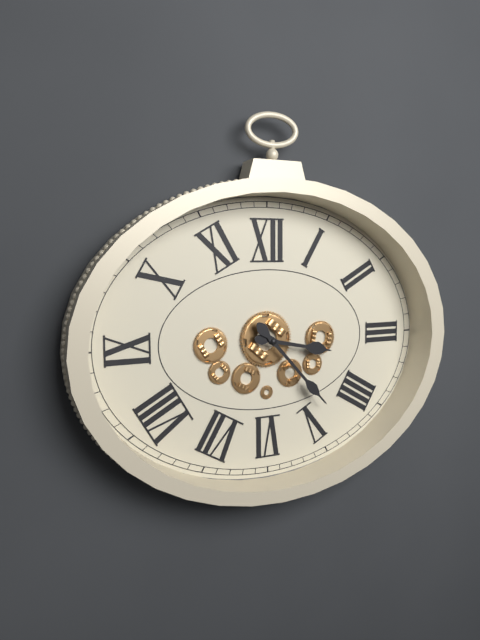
h=3 m=23
